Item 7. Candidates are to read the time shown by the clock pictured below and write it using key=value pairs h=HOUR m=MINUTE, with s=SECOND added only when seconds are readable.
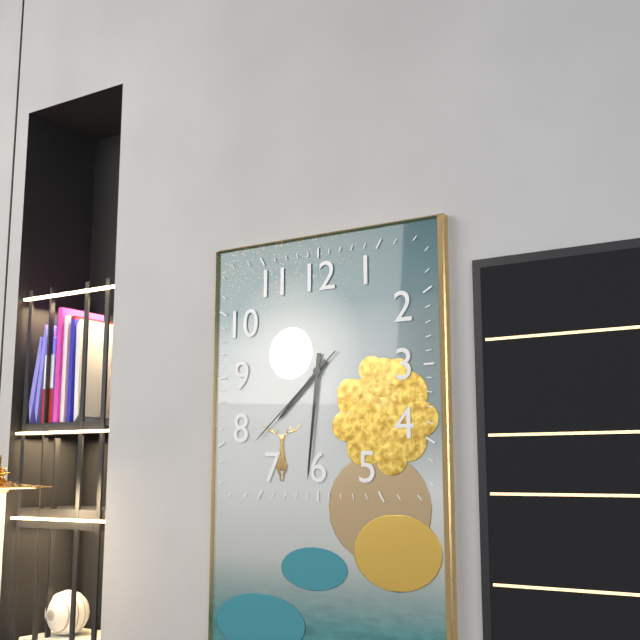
h=7 m=31 s=38
